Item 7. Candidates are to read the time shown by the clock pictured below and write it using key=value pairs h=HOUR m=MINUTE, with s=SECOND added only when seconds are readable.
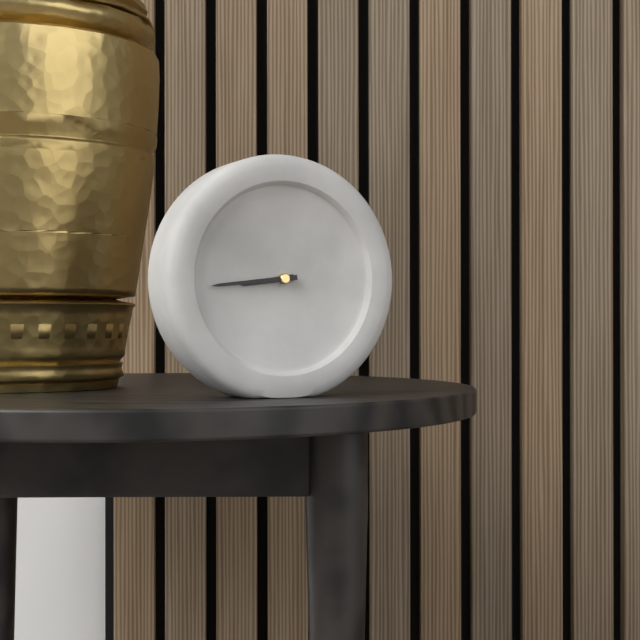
h=8 m=44
